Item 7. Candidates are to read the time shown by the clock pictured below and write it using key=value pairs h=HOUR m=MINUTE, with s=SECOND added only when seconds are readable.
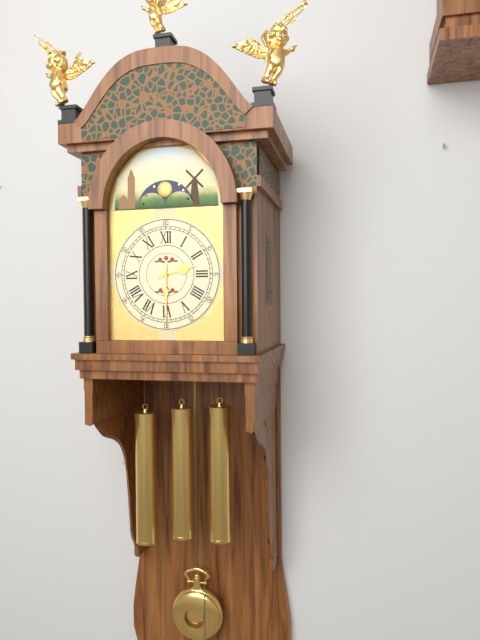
h=2 m=30
